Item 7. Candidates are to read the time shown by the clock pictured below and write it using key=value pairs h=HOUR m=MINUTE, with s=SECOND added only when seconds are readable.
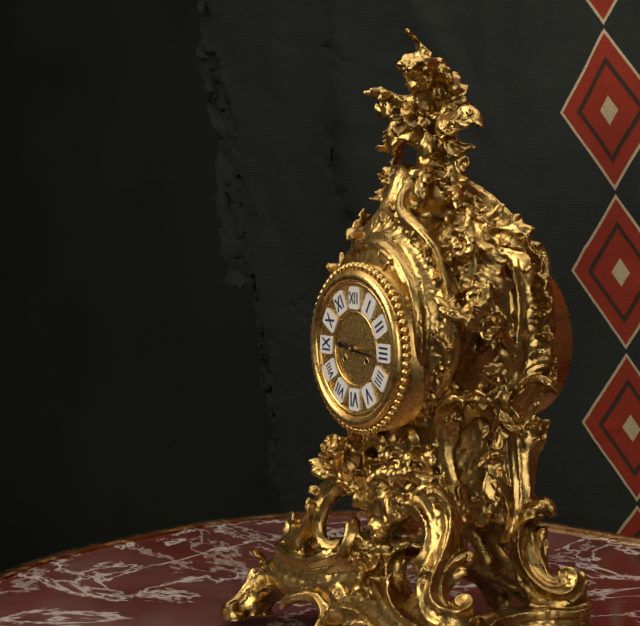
h=9 m=16
